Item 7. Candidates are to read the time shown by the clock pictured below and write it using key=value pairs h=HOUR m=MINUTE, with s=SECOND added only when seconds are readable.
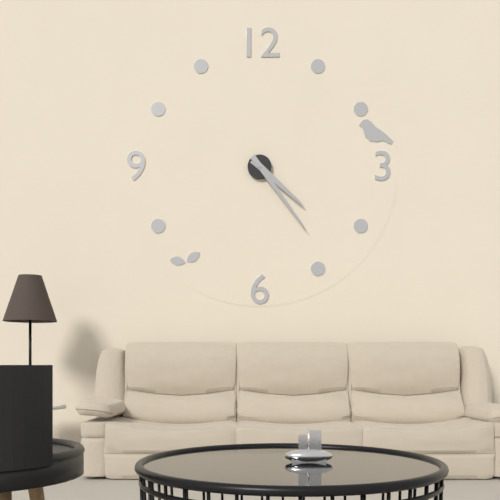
h=4 m=24
